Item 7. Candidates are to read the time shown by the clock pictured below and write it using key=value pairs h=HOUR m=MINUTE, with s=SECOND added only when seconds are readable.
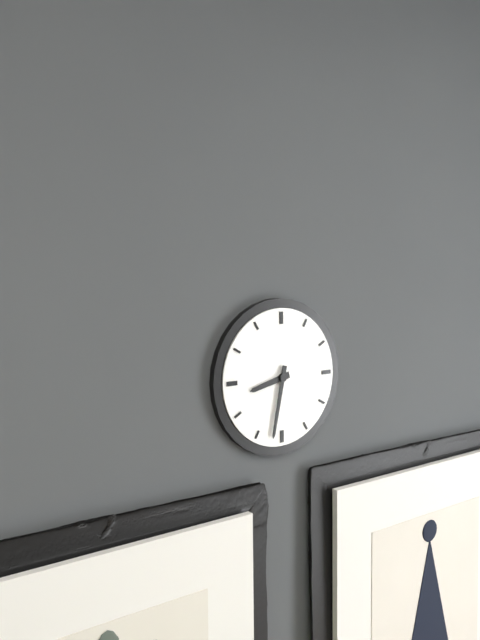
h=8 m=32
